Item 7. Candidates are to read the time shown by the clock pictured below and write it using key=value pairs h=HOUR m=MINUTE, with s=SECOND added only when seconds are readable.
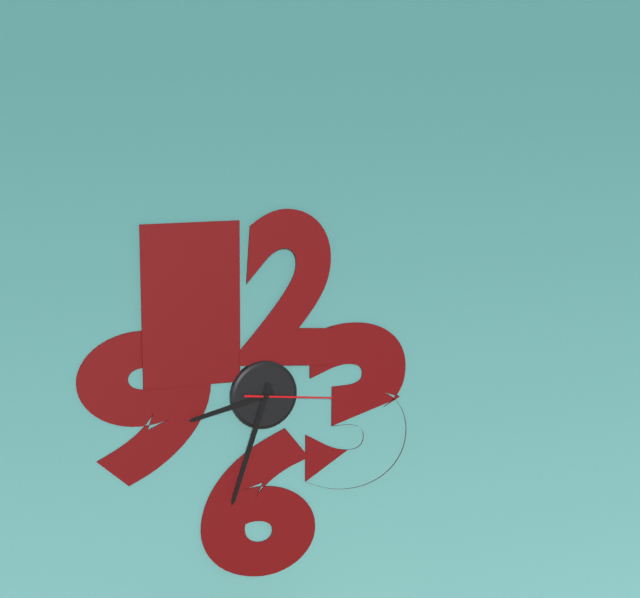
h=8 m=33 s=16
